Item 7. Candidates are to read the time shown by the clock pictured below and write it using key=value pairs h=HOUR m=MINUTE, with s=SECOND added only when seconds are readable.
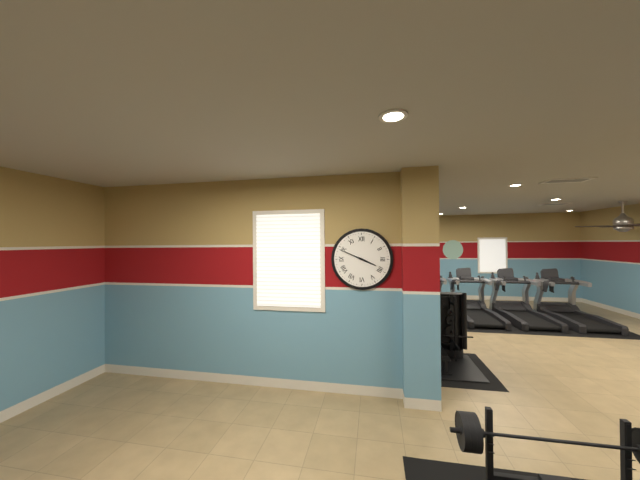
h=3 m=49
